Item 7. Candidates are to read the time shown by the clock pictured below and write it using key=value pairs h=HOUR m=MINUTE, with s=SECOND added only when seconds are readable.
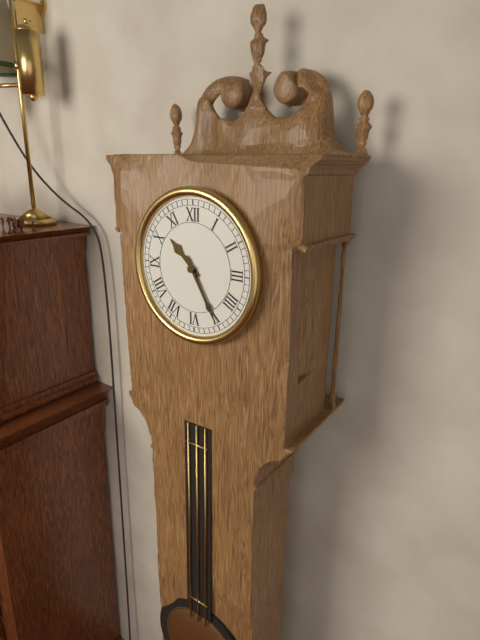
h=10 m=25
